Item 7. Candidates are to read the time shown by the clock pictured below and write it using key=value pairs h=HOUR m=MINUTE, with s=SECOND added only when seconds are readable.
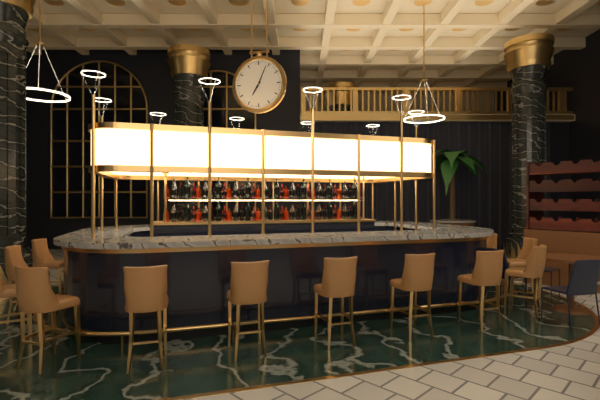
h=7 m=4
